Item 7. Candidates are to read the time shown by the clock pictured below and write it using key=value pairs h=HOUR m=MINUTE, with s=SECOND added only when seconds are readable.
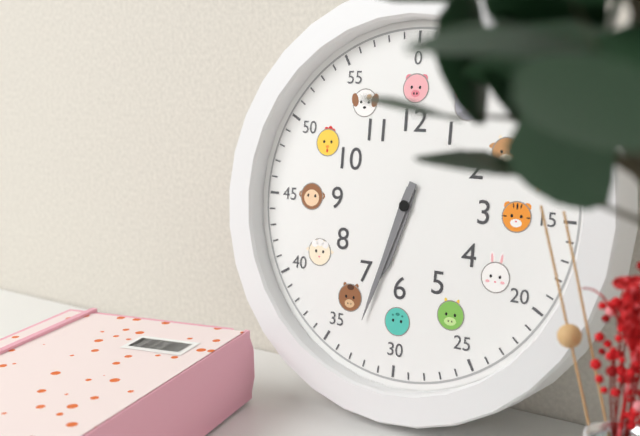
h=6 m=33
